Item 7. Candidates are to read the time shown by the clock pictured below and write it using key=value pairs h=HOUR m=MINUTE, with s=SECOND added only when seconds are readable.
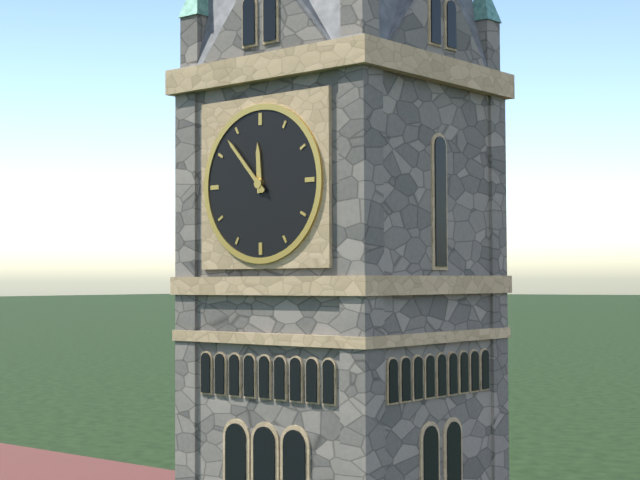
h=11 m=53
